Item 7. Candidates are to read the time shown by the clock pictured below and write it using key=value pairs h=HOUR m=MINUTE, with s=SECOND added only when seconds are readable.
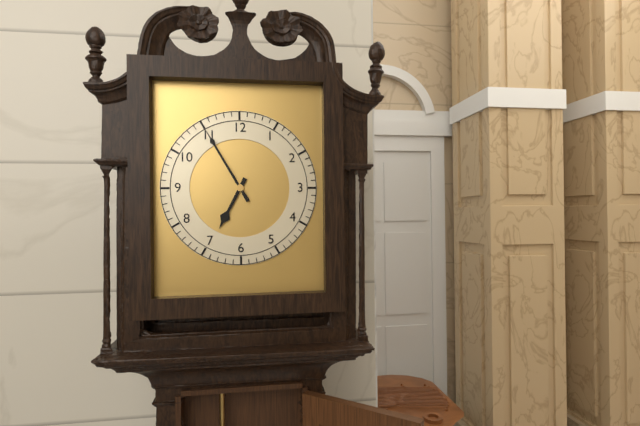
h=6 m=55
